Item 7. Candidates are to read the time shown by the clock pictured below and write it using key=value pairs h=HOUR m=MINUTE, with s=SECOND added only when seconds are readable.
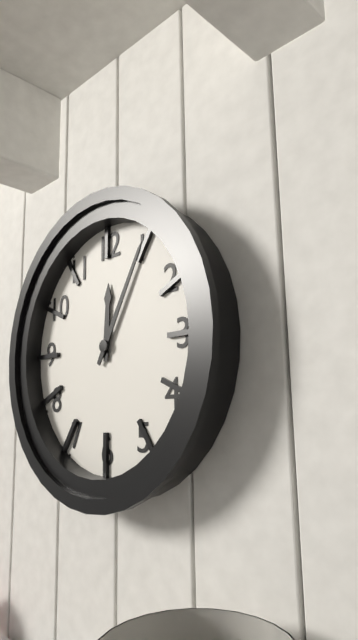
h=12 m=5
